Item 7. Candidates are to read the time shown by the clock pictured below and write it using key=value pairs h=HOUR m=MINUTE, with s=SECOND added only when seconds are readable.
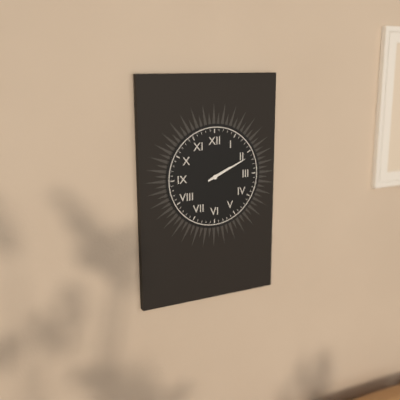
h=2 m=11
